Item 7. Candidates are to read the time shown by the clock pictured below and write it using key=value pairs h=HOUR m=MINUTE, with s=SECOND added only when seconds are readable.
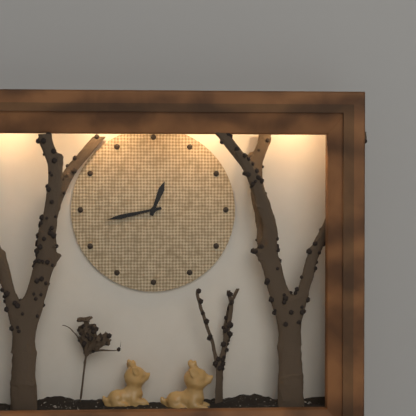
h=12 m=43
